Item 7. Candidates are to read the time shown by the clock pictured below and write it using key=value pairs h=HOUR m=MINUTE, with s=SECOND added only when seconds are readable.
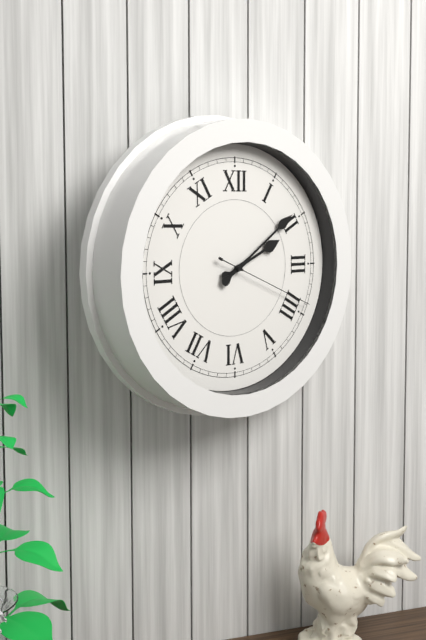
h=2 m=9 s=19
